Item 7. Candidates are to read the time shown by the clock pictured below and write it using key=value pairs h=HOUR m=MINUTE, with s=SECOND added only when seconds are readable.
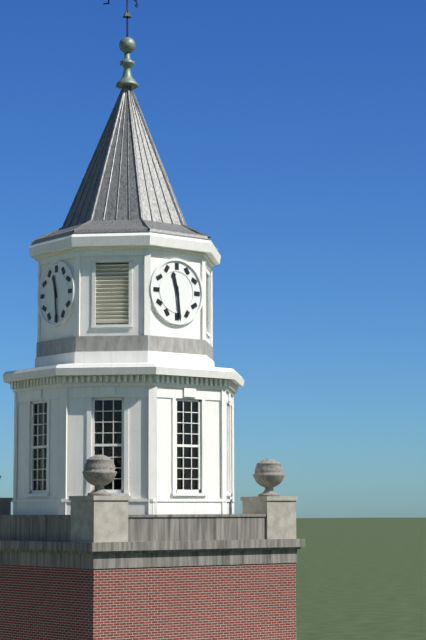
h=11 m=29
